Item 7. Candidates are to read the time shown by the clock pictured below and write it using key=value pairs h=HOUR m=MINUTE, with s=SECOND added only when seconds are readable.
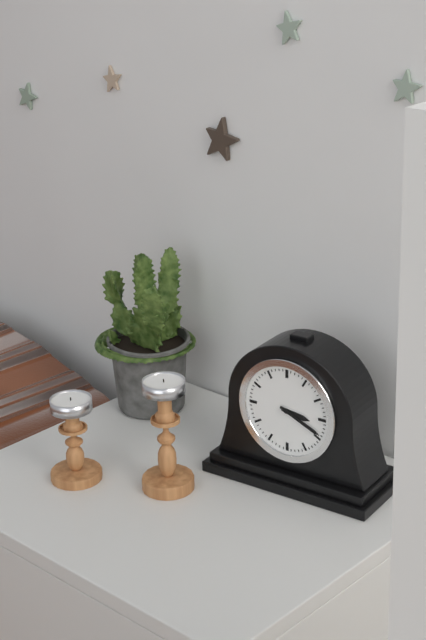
h=3 m=19
